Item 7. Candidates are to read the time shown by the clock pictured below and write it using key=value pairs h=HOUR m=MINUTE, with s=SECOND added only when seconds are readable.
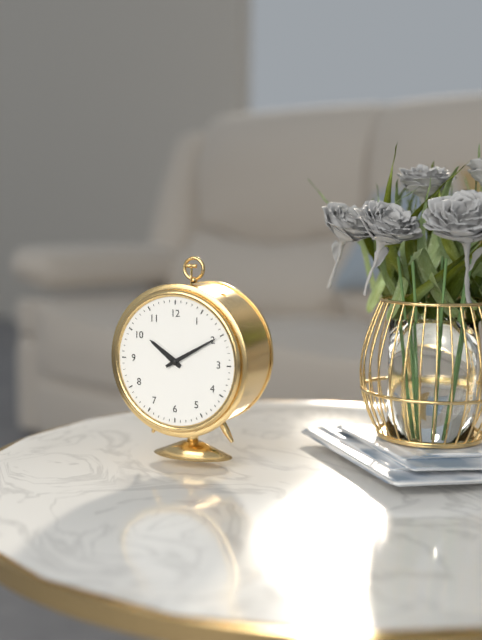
h=10 m=10
